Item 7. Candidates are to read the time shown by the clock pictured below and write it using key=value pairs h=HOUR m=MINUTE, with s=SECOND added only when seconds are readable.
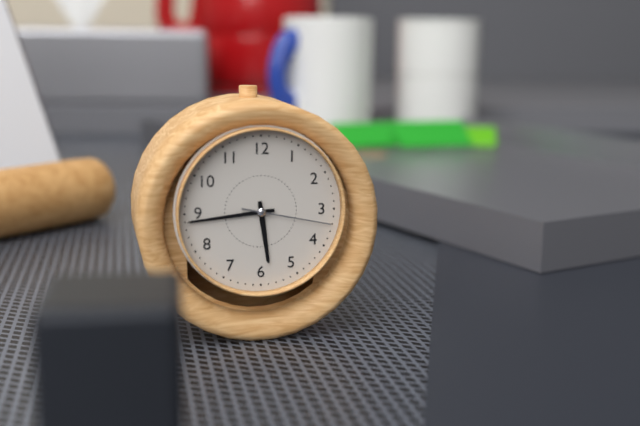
h=5 m=44 s=17
